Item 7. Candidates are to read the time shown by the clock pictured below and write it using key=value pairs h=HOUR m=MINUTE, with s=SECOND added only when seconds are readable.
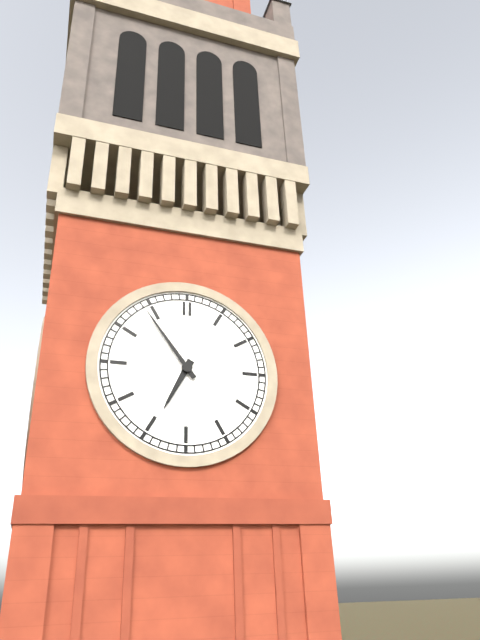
h=6 m=54
